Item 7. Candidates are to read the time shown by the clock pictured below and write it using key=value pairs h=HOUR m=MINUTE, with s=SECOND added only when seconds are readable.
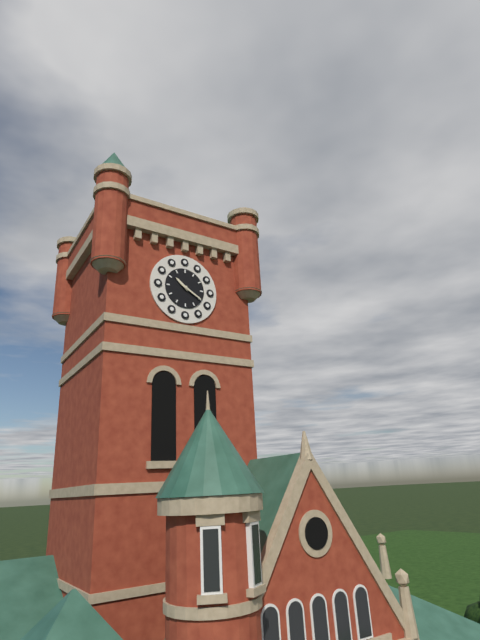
h=10 m=20
